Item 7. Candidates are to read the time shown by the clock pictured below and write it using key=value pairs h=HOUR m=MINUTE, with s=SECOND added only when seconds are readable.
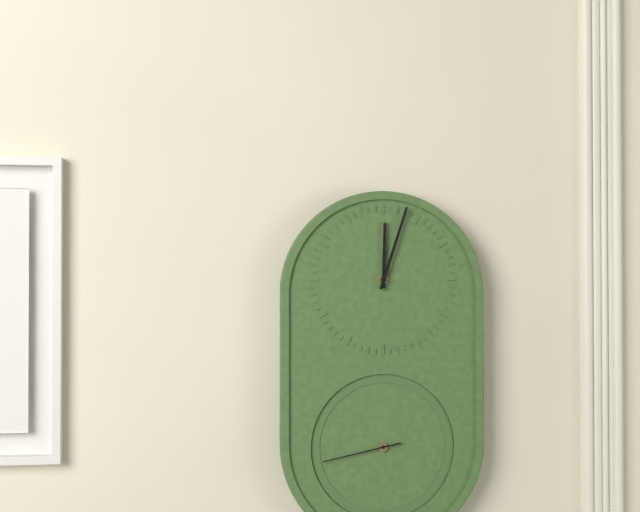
h=12 m=3 s=43
